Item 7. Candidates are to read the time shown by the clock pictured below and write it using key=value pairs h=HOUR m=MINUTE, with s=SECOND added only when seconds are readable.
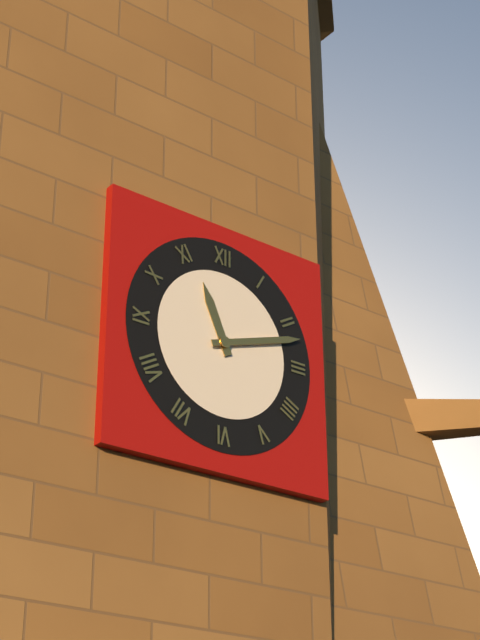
h=11 m=12
